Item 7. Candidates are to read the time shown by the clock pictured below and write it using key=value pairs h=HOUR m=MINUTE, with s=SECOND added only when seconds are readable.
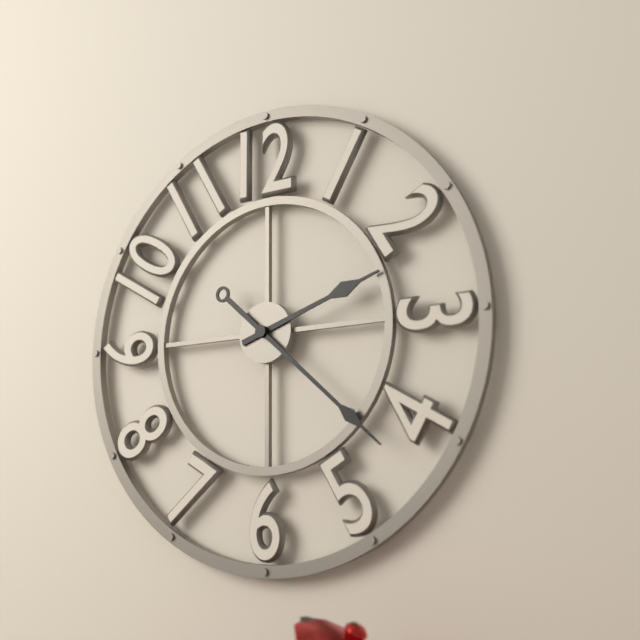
h=2 m=22
